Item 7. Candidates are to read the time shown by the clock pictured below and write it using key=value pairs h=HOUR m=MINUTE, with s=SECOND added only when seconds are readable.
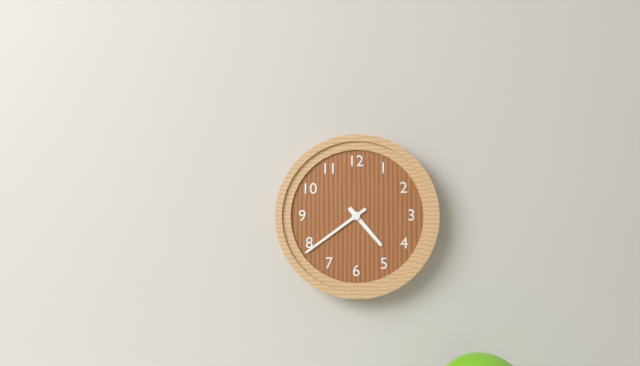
h=4 m=39
